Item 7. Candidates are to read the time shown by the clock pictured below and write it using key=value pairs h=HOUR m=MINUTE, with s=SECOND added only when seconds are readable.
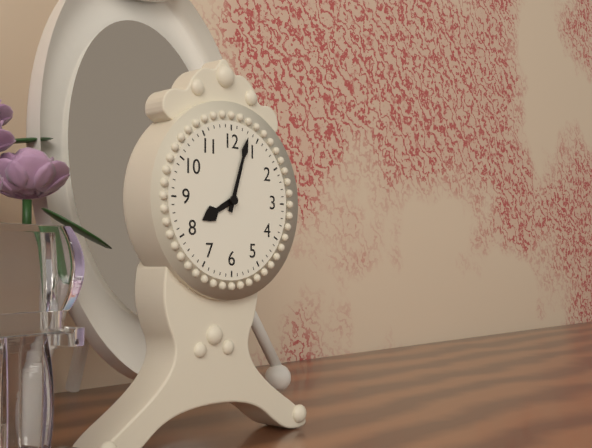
h=8 m=3
